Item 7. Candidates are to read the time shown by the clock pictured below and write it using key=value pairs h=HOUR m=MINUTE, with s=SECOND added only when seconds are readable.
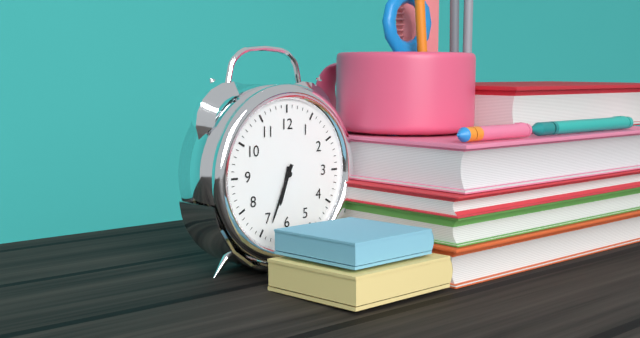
h=6 m=34
